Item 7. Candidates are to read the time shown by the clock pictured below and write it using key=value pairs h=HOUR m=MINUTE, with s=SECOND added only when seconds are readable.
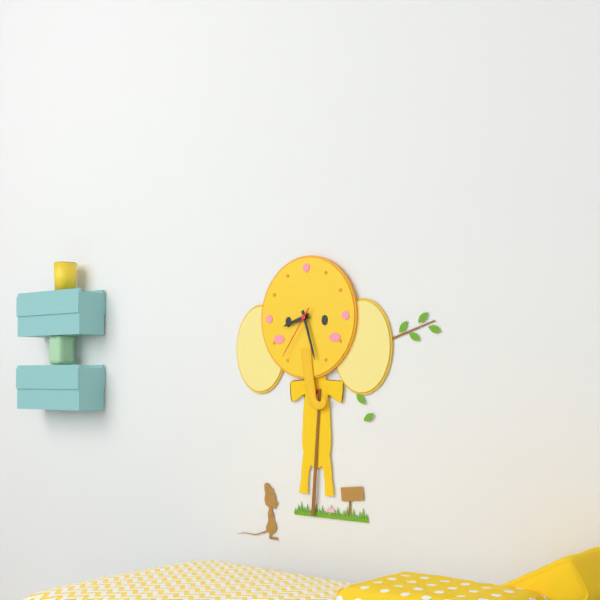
h=8 m=27 s=36
